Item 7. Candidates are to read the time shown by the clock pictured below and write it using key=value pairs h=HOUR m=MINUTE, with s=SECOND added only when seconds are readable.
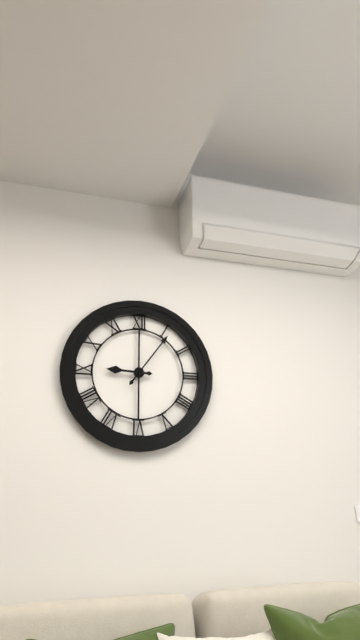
h=9 m=6
